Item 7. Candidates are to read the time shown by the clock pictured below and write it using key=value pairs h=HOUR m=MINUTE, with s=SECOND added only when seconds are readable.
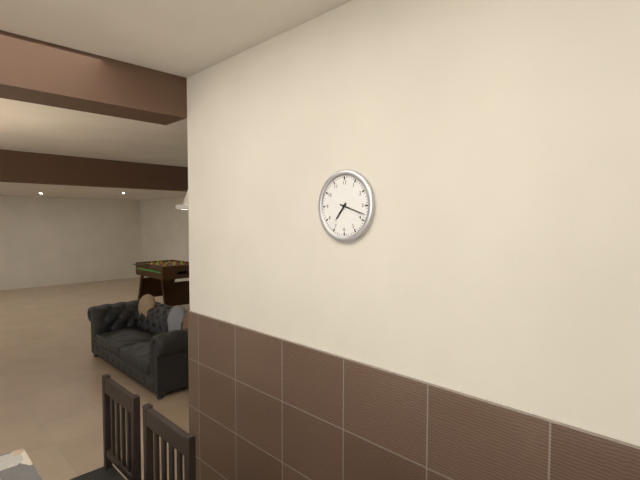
h=7 m=18
